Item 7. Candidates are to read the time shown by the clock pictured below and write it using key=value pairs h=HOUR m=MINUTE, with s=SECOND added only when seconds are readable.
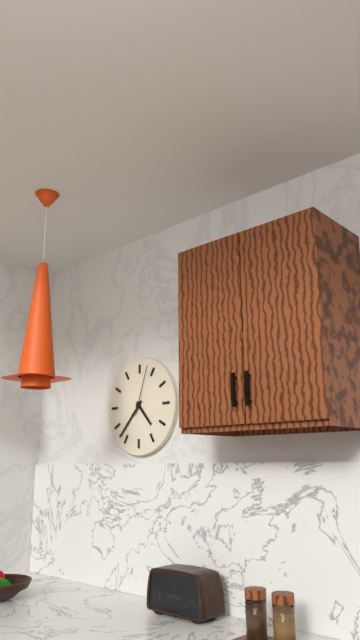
h=4 m=37 s=3
